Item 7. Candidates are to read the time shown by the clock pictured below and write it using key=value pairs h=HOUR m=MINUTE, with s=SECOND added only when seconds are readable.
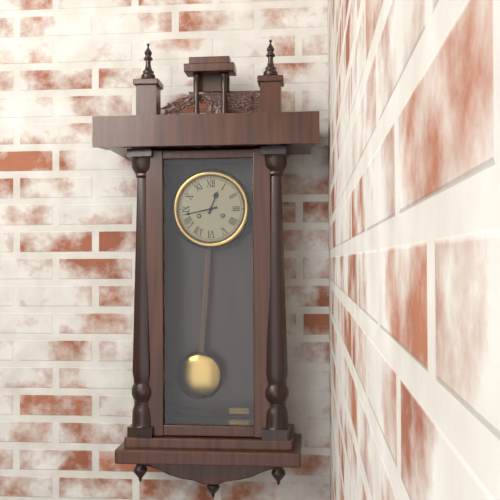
h=12 m=43
